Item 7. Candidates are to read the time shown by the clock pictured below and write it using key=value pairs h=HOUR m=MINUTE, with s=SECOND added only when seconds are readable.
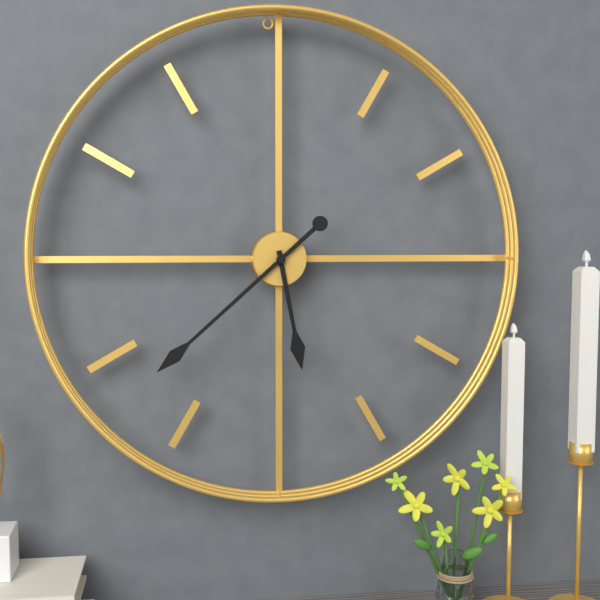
h=5 m=38
